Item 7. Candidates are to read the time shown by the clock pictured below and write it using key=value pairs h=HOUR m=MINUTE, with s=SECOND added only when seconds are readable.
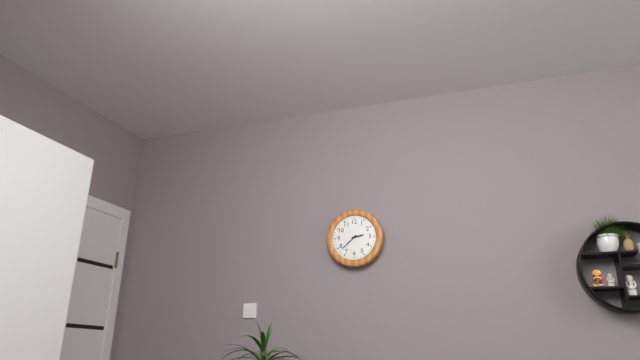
h=2 m=38
